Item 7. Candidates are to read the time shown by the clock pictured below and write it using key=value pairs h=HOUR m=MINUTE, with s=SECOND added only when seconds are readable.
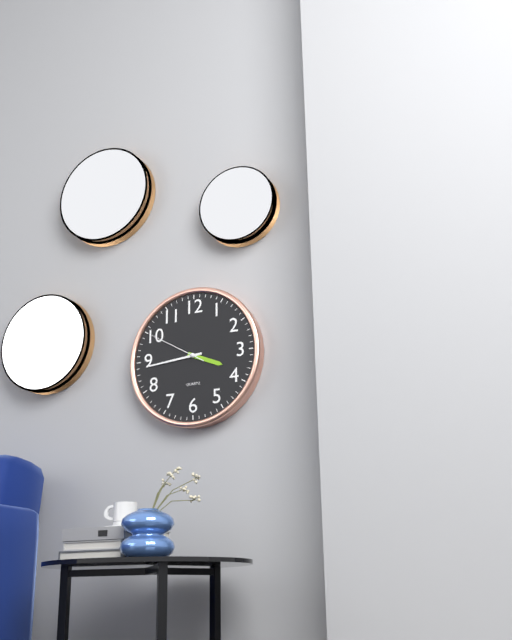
h=3 m=44 s=50
